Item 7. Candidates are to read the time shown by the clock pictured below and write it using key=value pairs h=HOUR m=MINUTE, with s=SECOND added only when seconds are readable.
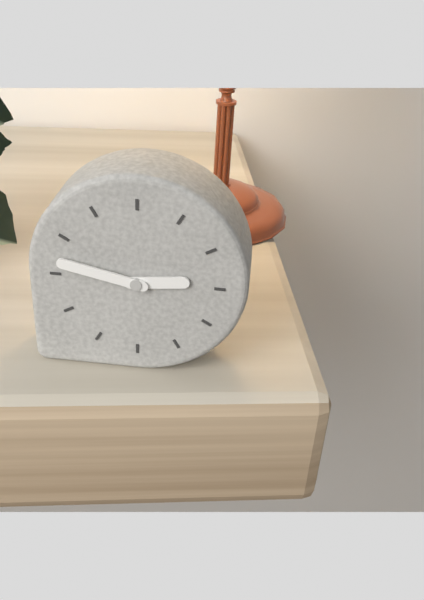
h=2 m=47
